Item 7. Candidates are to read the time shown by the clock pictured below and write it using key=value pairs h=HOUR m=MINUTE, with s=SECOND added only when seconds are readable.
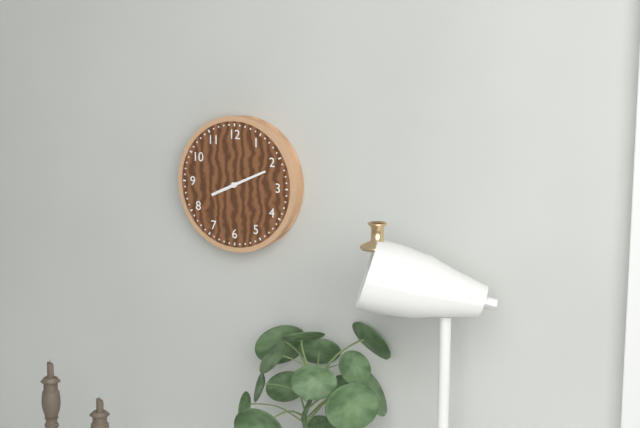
h=8 m=11
